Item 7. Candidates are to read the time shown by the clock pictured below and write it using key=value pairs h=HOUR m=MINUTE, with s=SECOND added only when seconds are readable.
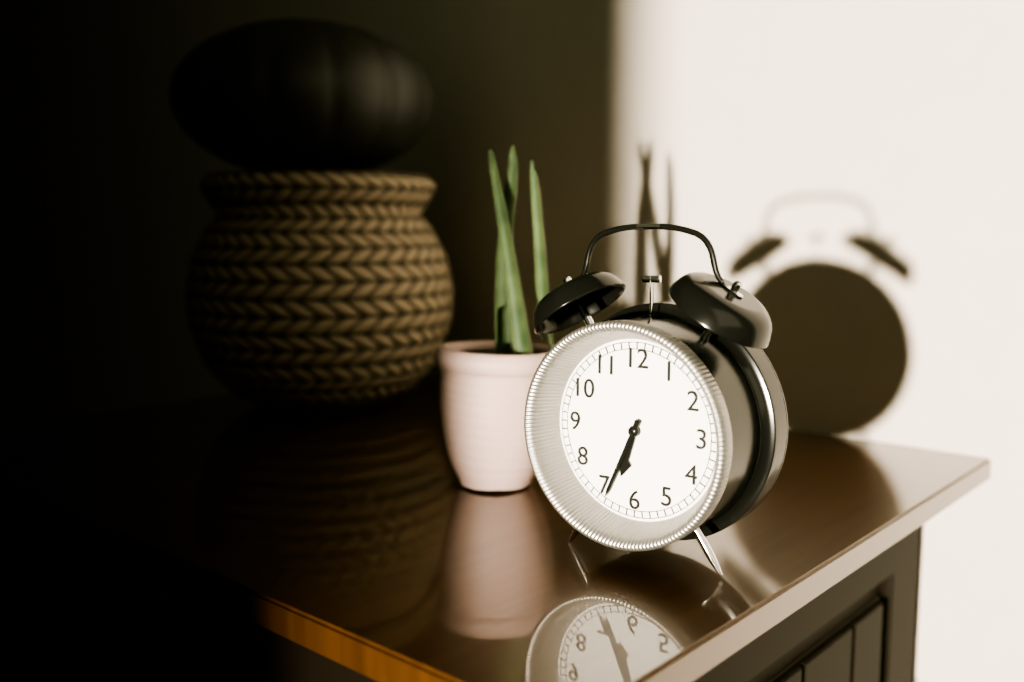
h=6 m=34
